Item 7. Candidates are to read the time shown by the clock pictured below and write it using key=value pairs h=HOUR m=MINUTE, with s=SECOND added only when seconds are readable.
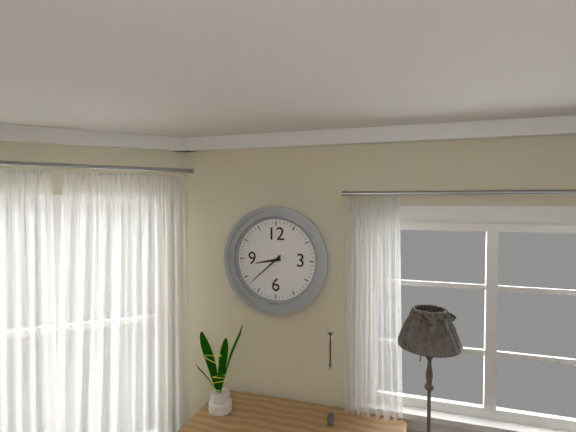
h=8 m=38
